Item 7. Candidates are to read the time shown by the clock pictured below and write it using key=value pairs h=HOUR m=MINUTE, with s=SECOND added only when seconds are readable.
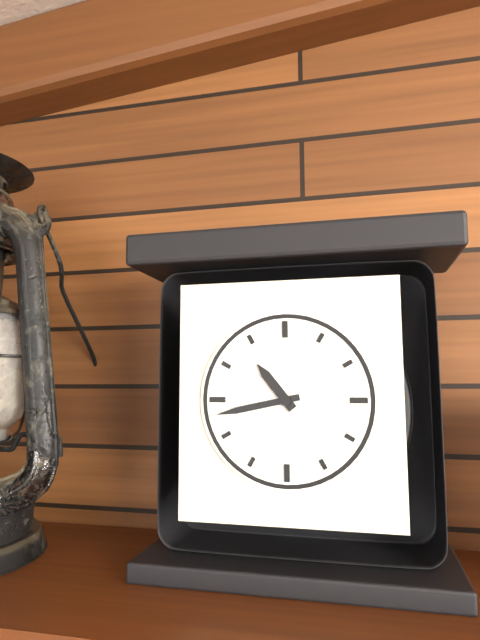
h=10 m=43
